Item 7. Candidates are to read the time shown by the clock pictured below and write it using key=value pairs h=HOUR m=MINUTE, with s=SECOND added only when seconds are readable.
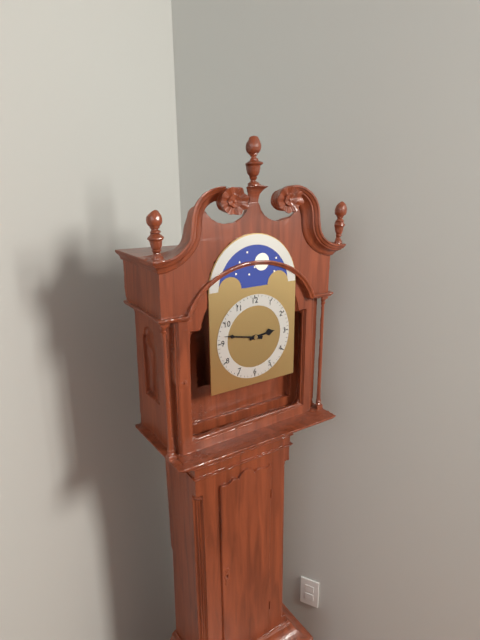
h=2 m=47
